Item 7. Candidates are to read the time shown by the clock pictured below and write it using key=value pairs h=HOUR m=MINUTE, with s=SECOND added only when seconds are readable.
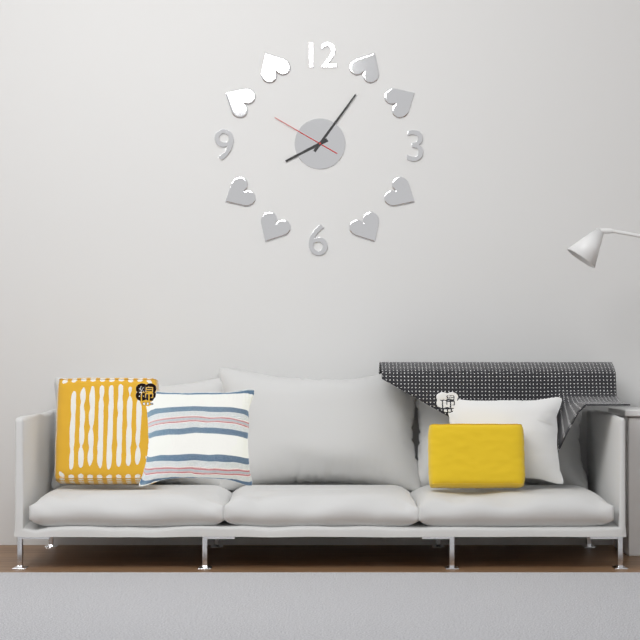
h=8 m=6 s=50
